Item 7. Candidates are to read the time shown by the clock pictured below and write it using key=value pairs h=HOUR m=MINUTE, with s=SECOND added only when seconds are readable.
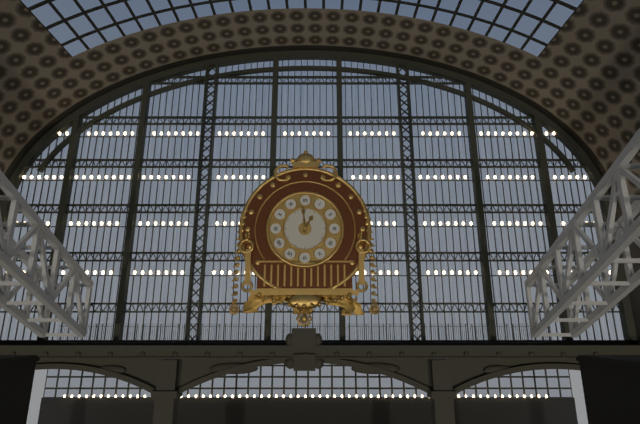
h=12 m=59
